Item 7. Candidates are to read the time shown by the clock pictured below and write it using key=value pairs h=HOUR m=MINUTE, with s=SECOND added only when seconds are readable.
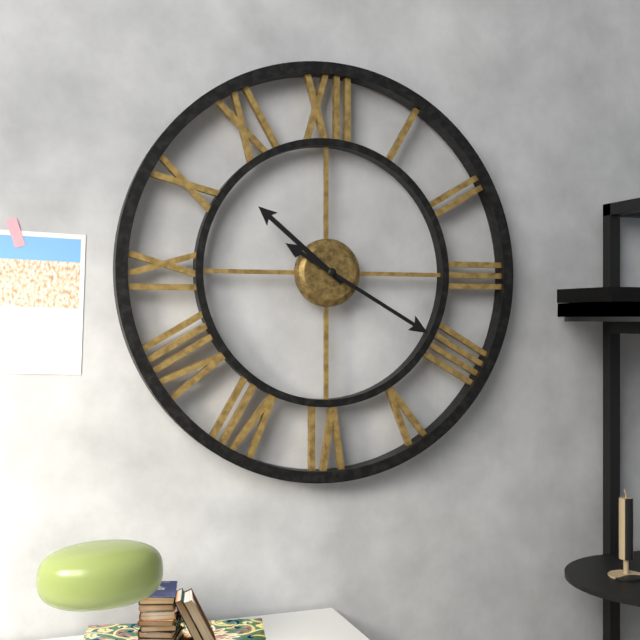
h=10 m=20
